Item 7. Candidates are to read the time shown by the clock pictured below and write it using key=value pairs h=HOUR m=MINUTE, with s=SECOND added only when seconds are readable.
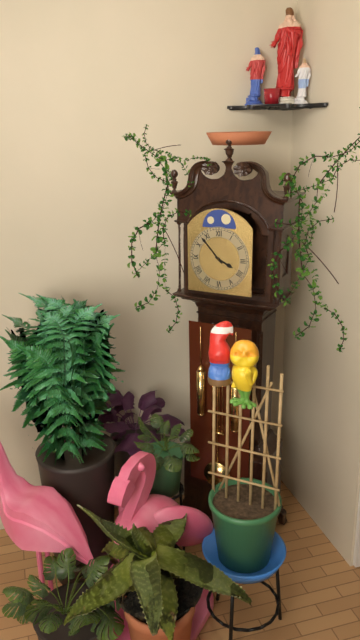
h=3 m=53
